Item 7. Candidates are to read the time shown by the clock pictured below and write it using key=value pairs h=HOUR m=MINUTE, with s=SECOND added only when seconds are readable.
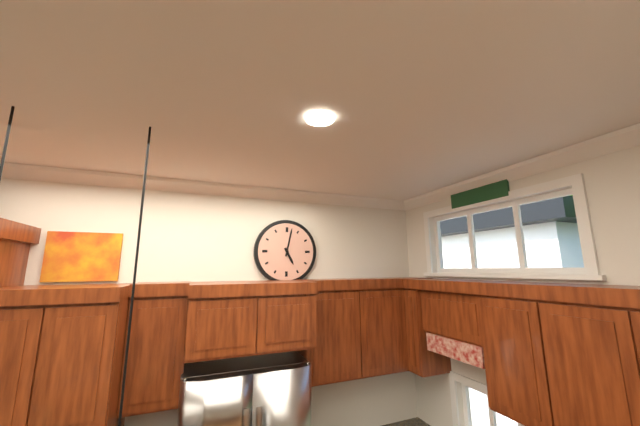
h=5 m=2
